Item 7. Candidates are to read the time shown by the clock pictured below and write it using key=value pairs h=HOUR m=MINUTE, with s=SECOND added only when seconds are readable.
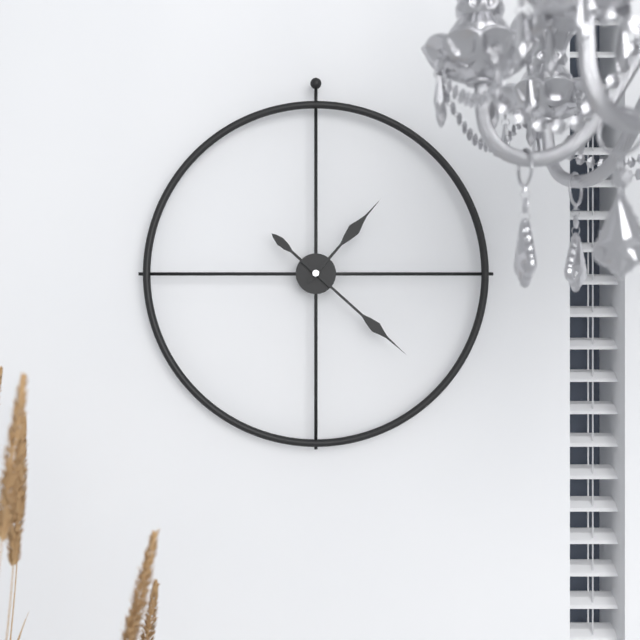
h=1 m=22
